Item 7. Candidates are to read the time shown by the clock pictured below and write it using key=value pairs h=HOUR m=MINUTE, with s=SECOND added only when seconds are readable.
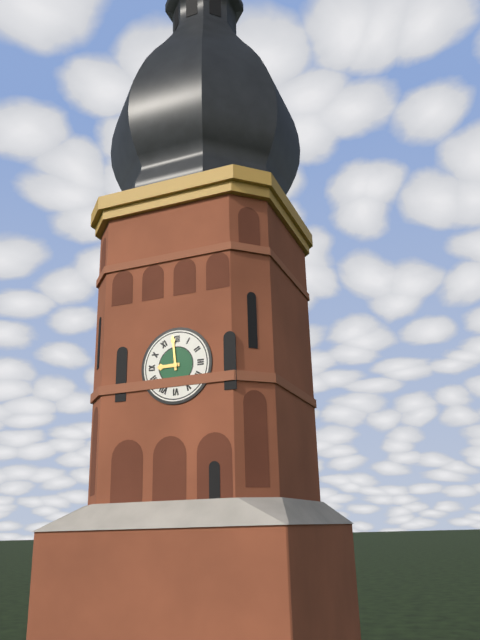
h=8 m=59
